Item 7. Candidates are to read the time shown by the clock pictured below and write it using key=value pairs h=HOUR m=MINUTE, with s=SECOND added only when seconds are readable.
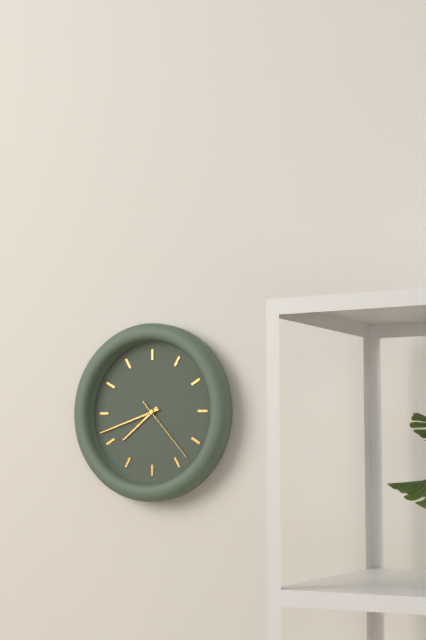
h=7 m=42 s=23
